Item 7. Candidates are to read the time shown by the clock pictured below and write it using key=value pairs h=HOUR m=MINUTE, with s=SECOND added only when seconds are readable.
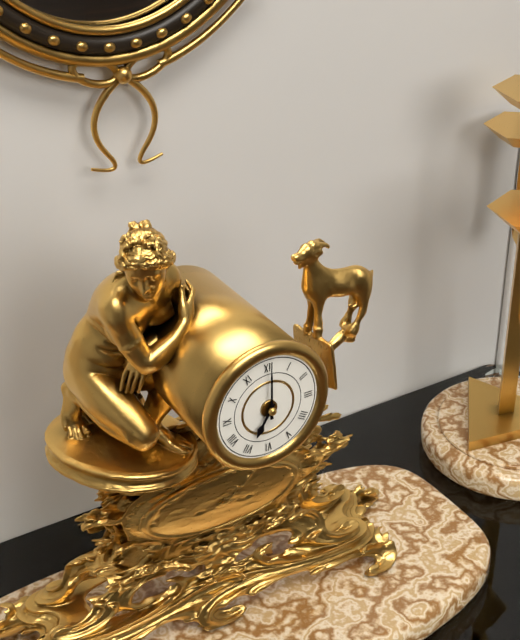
h=7 m=0
